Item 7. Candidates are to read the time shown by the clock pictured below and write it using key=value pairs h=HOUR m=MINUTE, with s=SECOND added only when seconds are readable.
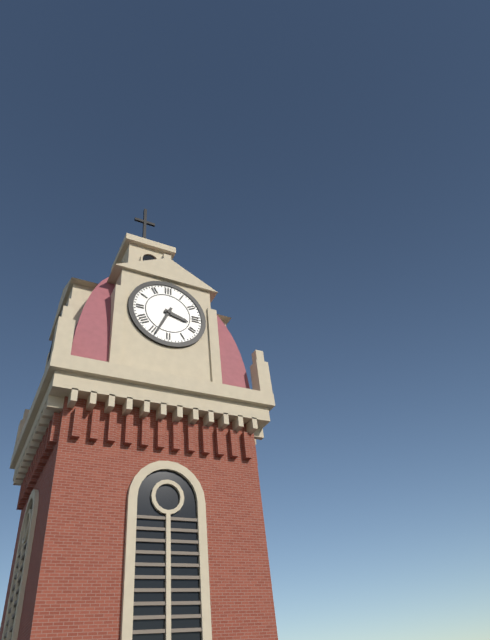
h=3 m=34
